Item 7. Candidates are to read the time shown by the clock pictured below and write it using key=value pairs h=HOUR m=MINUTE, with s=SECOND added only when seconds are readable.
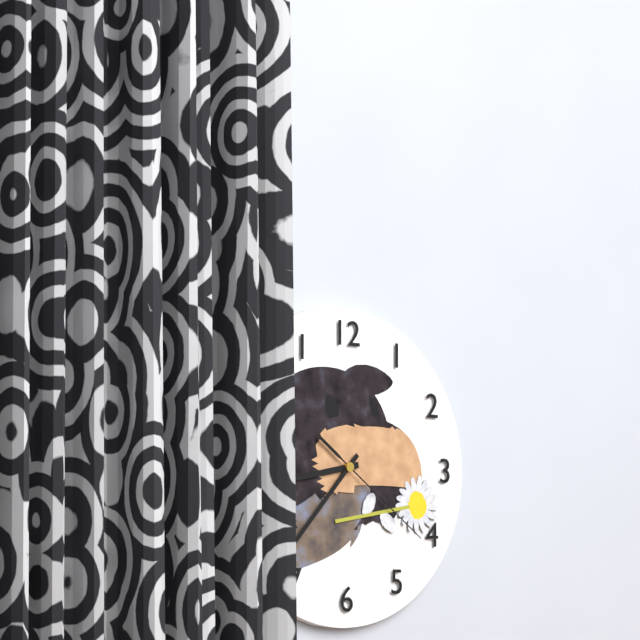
h=8 m=37 s=21
